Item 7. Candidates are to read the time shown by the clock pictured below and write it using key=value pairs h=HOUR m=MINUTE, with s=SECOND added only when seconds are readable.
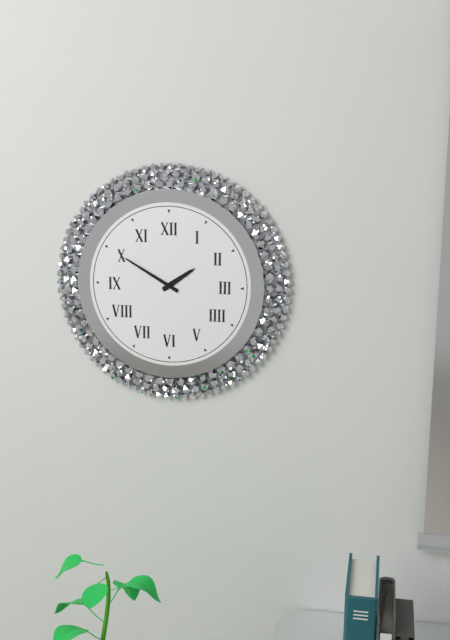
h=1 m=50
